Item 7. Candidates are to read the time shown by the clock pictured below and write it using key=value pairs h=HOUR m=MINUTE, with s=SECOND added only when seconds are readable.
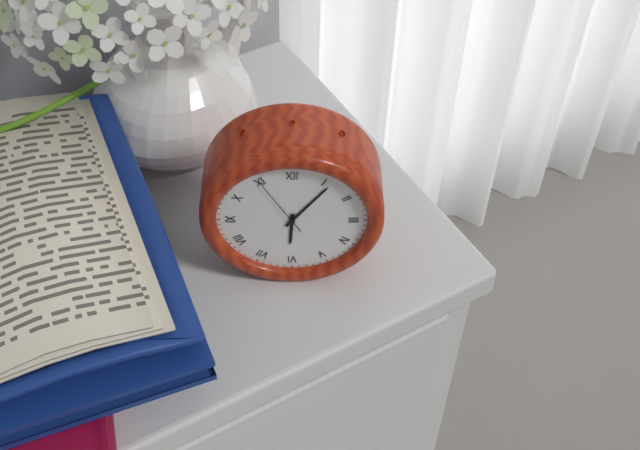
h=6 m=6 s=55
